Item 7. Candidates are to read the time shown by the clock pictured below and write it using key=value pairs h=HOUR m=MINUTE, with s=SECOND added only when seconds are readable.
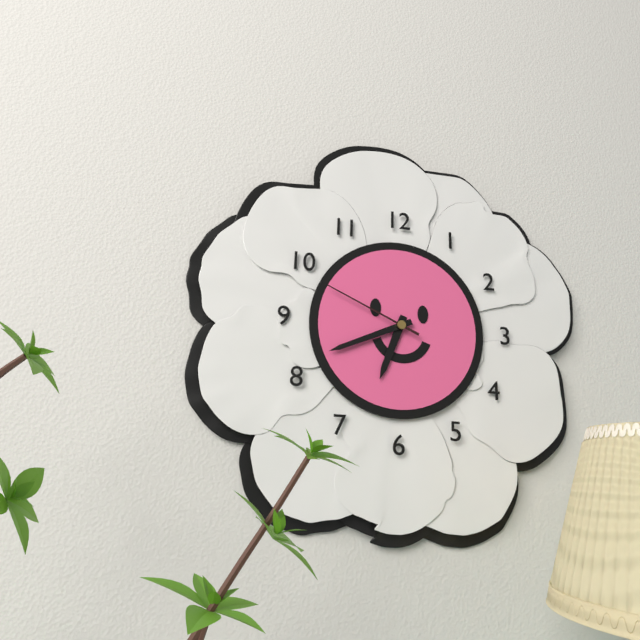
h=6 m=41 s=49
